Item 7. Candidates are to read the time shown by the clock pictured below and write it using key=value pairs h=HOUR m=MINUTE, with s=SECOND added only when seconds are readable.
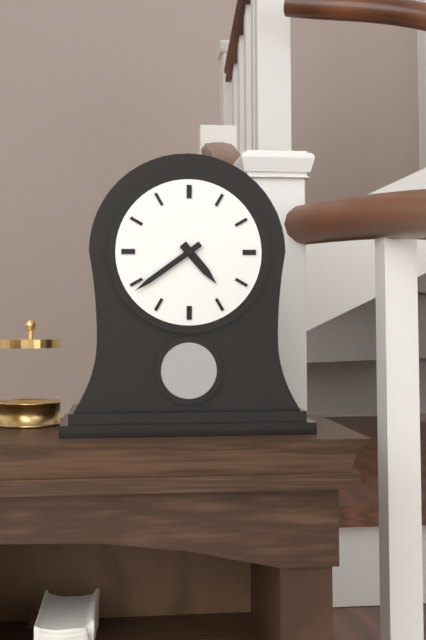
h=4 m=39
